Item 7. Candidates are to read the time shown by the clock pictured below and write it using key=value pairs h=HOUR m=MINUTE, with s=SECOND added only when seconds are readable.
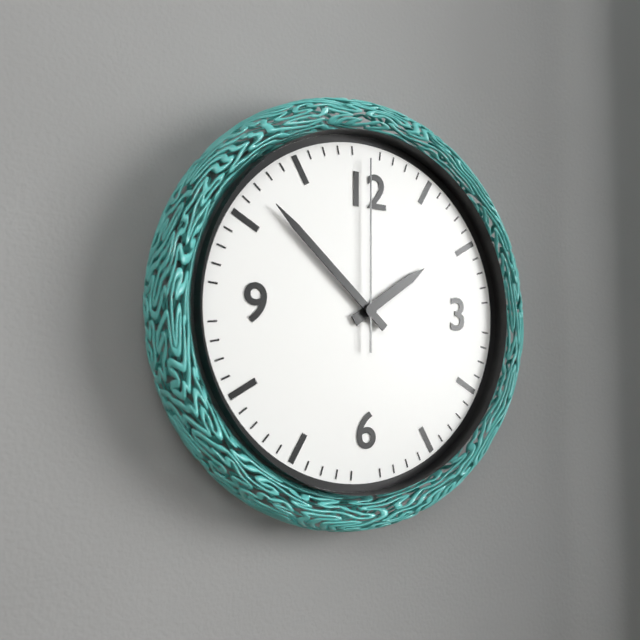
h=1 m=52 s=0
